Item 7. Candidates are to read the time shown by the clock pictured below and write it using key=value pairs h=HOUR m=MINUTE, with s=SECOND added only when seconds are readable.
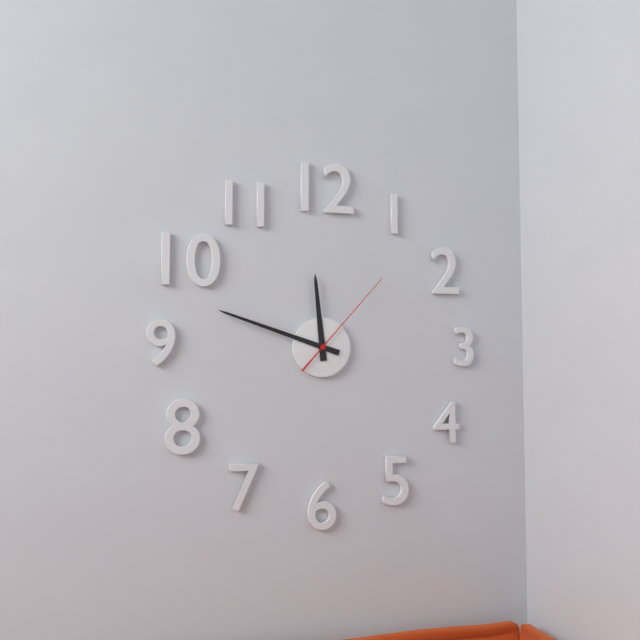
h=11 m=48 s=7
